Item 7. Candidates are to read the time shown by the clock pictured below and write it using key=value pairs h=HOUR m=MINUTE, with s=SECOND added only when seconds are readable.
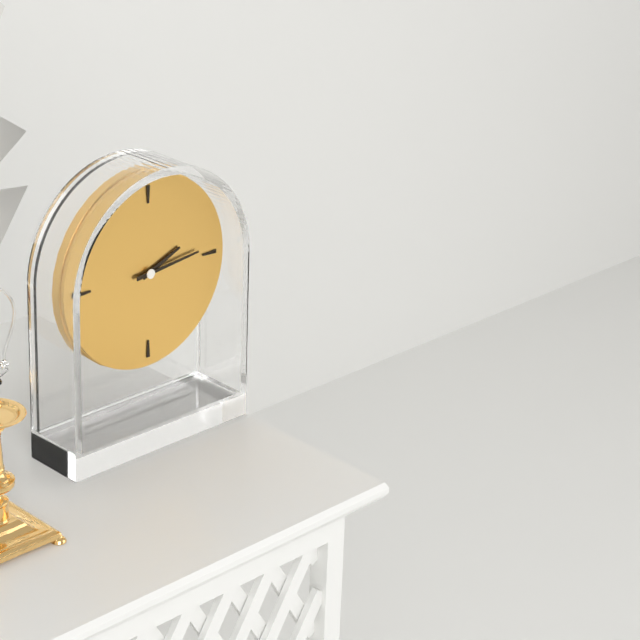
h=2 m=14
